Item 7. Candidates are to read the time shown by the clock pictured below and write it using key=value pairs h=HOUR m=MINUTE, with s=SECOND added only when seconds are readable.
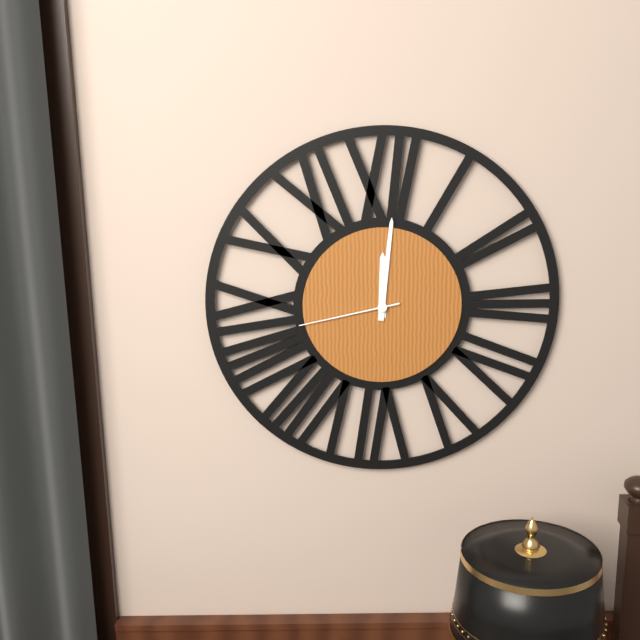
h=12 m=1 s=43
